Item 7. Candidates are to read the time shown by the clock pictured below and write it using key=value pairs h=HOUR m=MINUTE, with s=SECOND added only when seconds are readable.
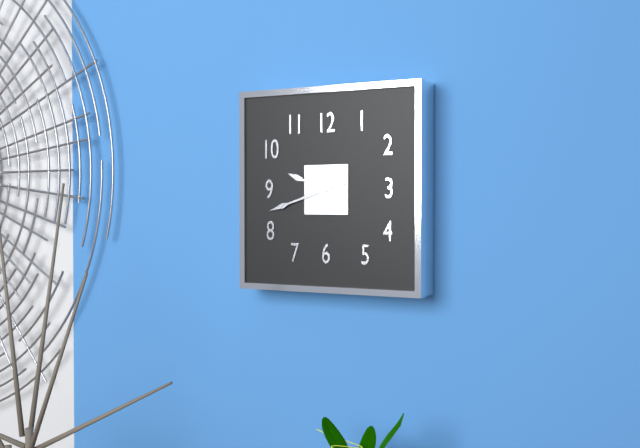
h=9 m=42
